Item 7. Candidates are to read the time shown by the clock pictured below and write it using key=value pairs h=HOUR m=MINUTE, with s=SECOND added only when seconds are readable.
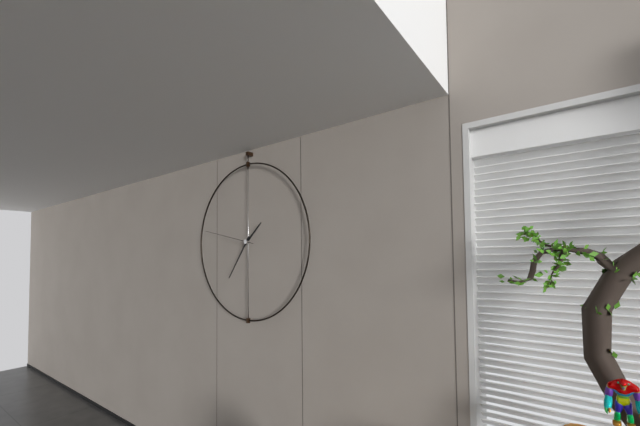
h=1 m=36 s=47
